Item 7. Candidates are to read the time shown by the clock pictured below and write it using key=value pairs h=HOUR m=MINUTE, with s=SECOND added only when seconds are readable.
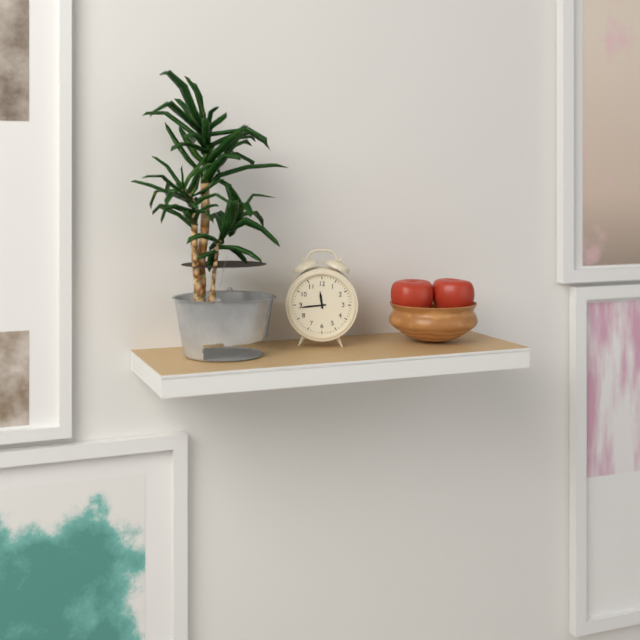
h=11 m=44
